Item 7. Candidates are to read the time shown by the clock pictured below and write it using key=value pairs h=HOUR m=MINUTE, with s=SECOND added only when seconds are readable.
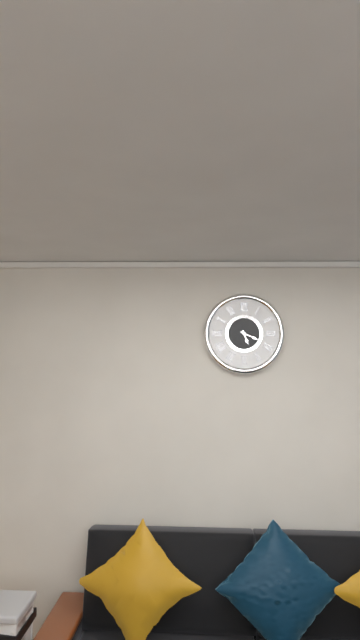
h=5 m=19
